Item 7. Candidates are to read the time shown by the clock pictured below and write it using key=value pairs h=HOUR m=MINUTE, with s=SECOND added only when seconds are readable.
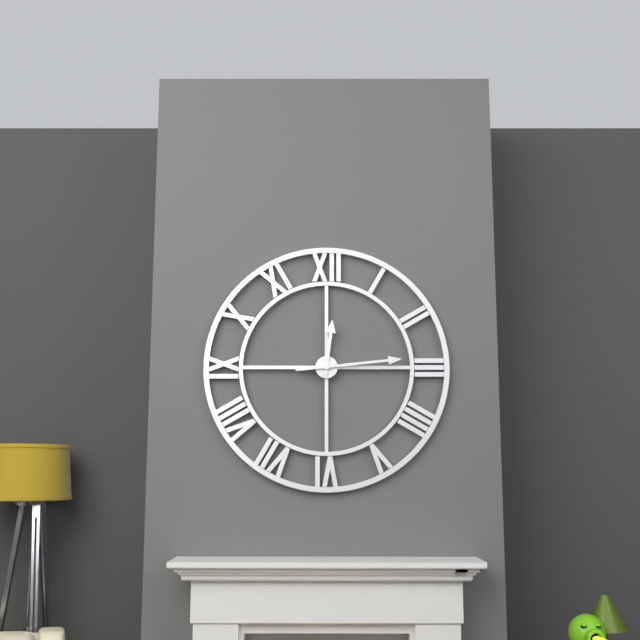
h=12 m=14
